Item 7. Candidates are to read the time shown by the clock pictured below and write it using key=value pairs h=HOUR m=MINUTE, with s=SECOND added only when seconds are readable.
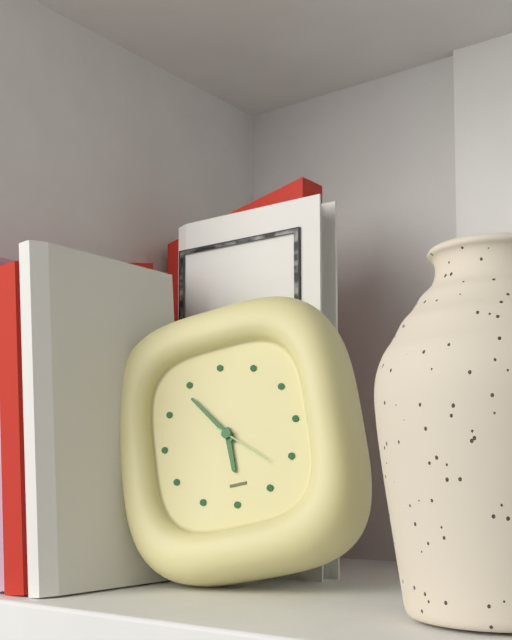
h=5 m=54 s=22
